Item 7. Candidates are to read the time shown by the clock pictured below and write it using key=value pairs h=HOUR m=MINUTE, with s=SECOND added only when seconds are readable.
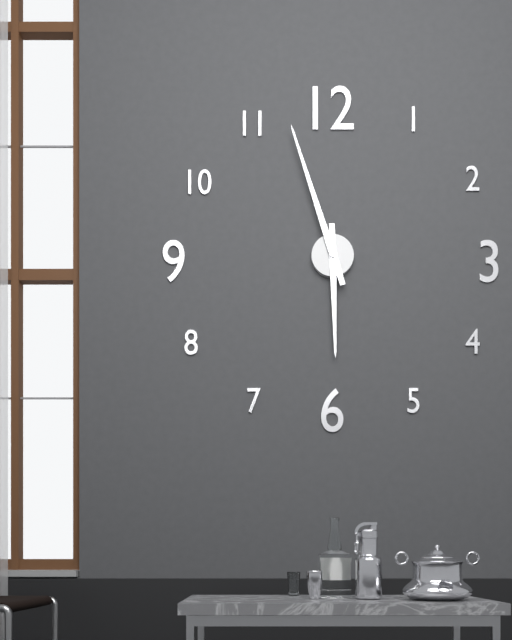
h=5 m=57
